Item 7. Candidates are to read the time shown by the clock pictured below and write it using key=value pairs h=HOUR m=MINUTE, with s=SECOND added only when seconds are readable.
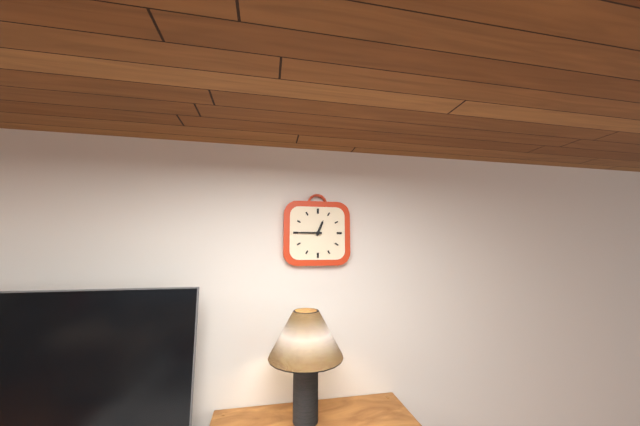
h=12 m=45
